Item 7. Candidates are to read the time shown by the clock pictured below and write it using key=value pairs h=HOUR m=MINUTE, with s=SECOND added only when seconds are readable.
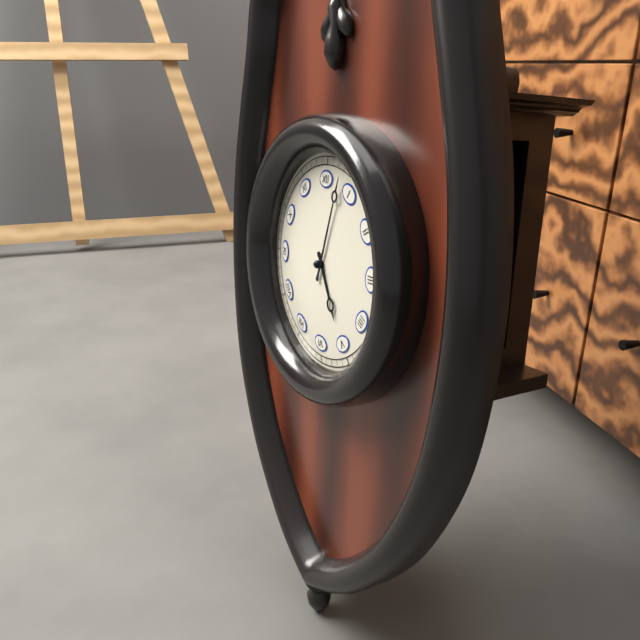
h=5 m=3
